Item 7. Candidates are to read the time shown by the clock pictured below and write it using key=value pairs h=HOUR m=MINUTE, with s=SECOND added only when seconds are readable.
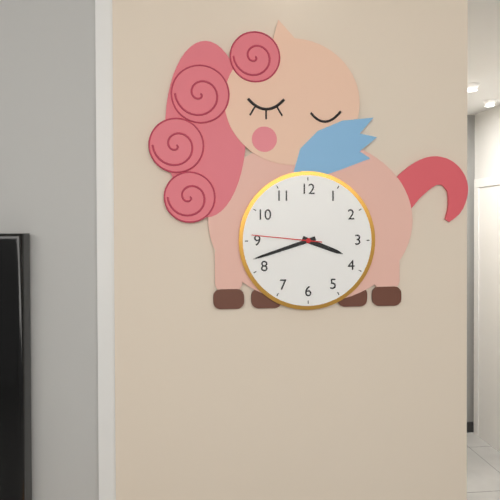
h=3 m=42 s=46
